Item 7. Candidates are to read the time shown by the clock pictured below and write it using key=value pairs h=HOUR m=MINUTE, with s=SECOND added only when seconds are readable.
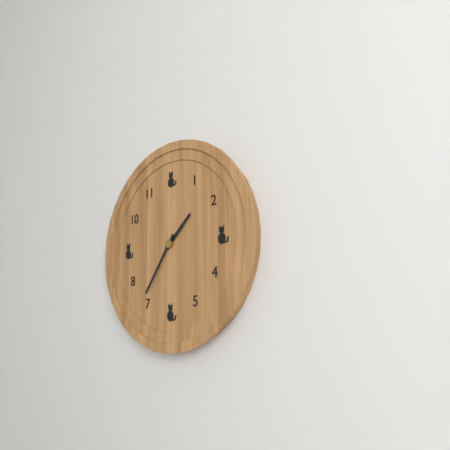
h=1 m=36
